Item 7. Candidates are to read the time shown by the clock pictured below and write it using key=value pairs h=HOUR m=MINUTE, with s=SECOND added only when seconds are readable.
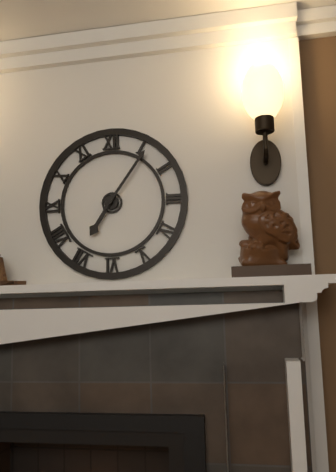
h=7 m=6
